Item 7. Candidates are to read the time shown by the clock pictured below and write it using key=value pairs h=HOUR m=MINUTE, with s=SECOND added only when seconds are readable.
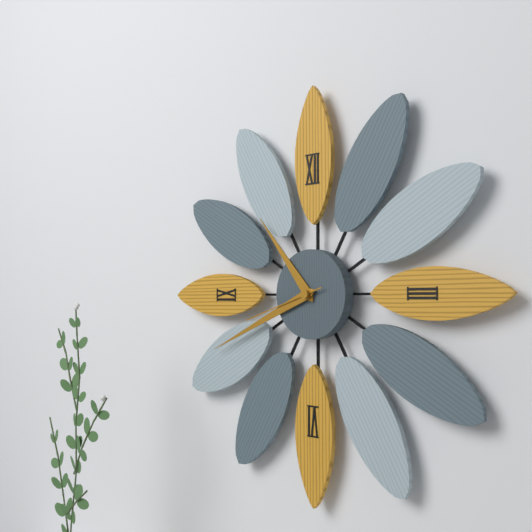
h=10 m=41 s=42
